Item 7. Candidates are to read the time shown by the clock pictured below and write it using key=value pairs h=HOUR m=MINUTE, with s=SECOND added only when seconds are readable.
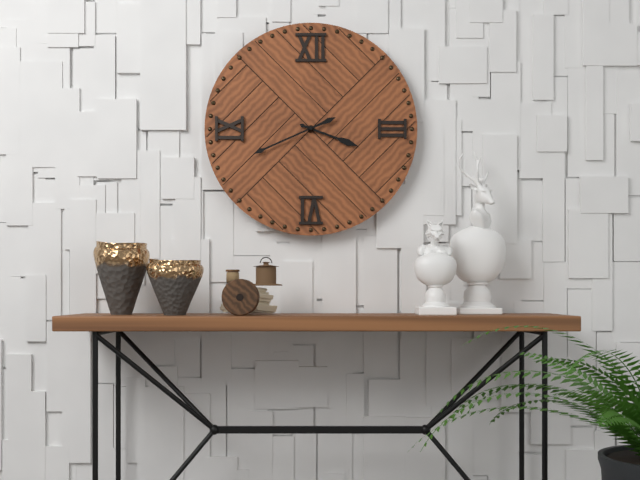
h=3 m=41
